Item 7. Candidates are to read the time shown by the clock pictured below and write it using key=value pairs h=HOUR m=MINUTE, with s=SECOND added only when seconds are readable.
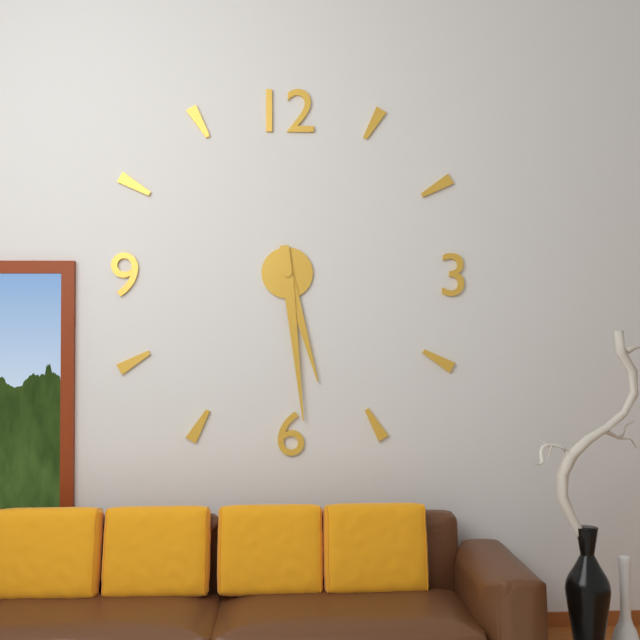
h=5 m=29
